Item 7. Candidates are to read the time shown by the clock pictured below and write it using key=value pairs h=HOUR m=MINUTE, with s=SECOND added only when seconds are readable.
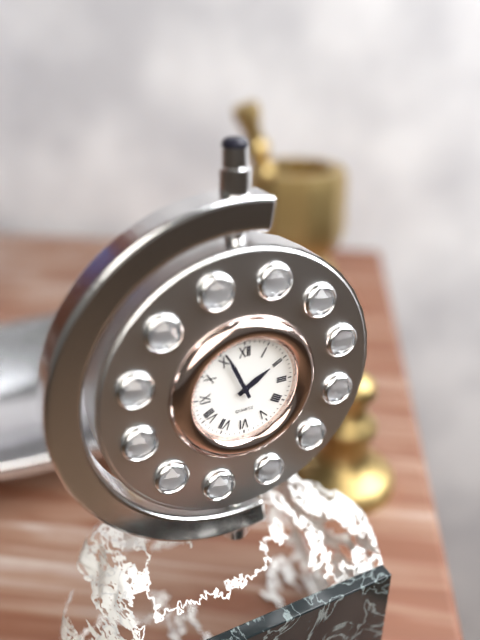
h=1 m=56
